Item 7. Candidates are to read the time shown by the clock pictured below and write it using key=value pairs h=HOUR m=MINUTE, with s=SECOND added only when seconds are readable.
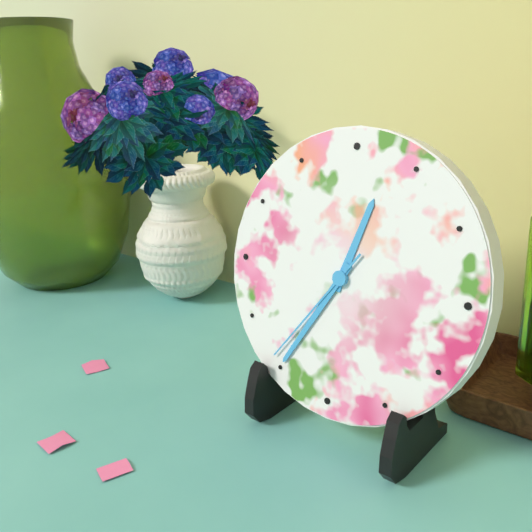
h=12 m=35 s=36
